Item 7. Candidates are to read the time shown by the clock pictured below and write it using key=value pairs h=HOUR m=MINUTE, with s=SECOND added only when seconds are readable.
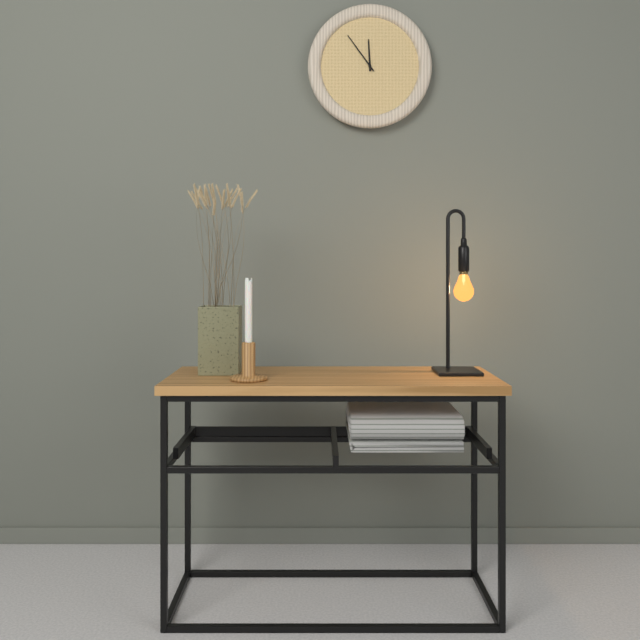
h=11 m=54
